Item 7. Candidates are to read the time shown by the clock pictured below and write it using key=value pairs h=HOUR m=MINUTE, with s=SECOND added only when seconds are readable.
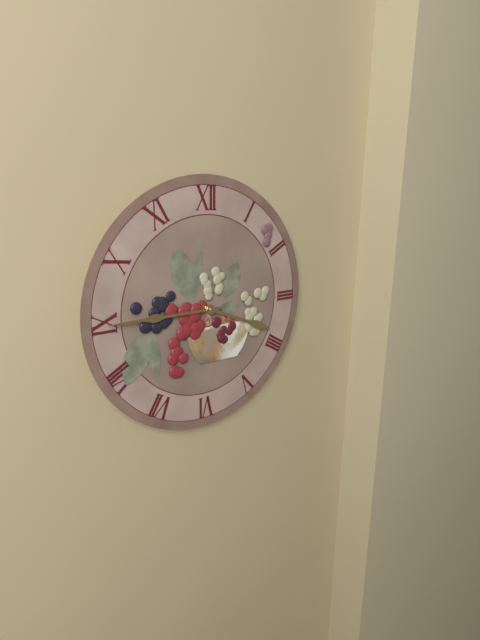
h=3 m=45
